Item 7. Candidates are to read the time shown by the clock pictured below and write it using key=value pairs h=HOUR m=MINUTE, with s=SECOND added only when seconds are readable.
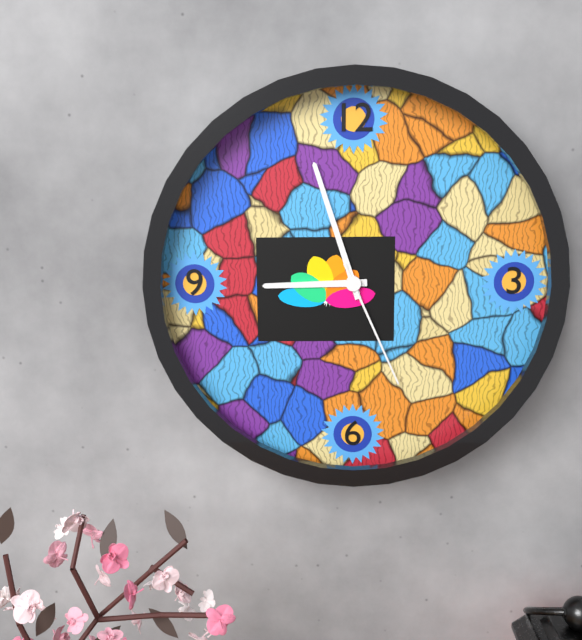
h=8 m=57 s=26
